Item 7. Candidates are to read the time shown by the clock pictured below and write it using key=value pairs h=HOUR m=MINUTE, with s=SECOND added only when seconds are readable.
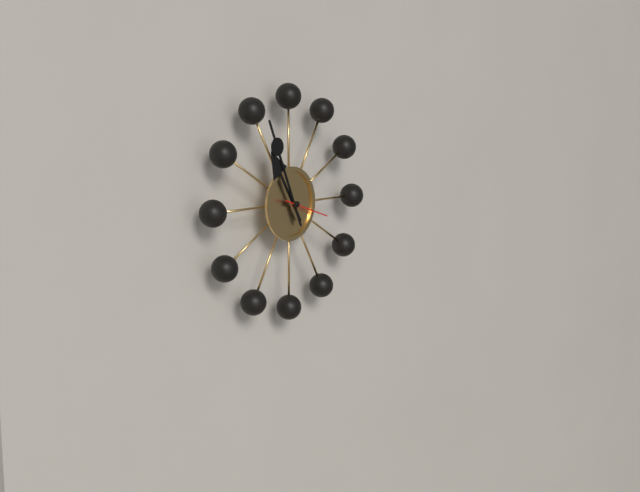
h=10 m=56
